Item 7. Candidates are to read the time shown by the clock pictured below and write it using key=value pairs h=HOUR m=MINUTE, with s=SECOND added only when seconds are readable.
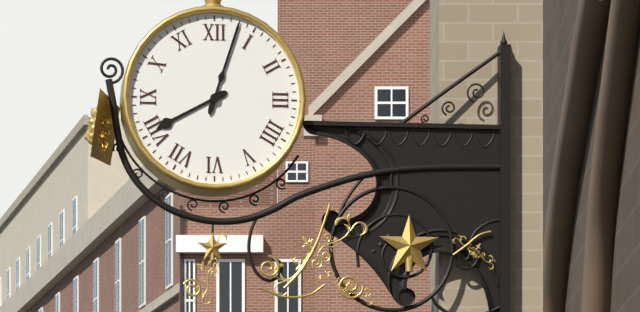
h=8 m=3
